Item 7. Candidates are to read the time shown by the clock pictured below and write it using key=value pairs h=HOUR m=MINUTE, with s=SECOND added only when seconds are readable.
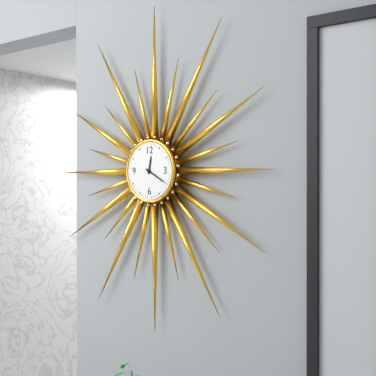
h=12 m=20
